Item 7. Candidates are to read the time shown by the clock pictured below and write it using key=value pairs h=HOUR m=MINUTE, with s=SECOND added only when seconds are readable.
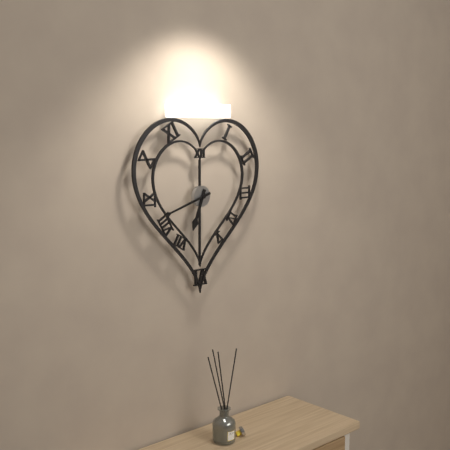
h=6 m=42
